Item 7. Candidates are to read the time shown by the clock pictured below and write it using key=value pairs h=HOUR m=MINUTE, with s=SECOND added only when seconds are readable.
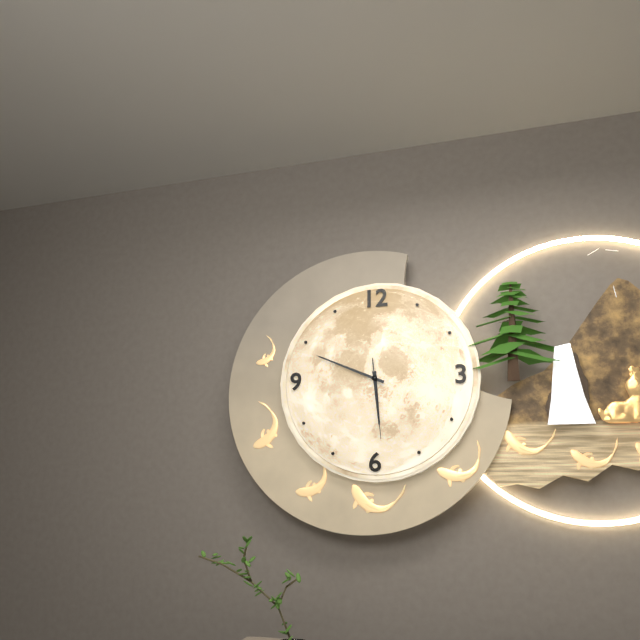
h=5 m=49 s=29
